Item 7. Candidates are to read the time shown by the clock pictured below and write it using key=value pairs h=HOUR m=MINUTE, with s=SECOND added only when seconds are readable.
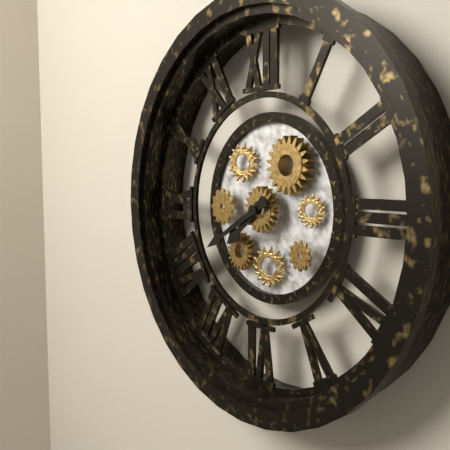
h=7 m=40
